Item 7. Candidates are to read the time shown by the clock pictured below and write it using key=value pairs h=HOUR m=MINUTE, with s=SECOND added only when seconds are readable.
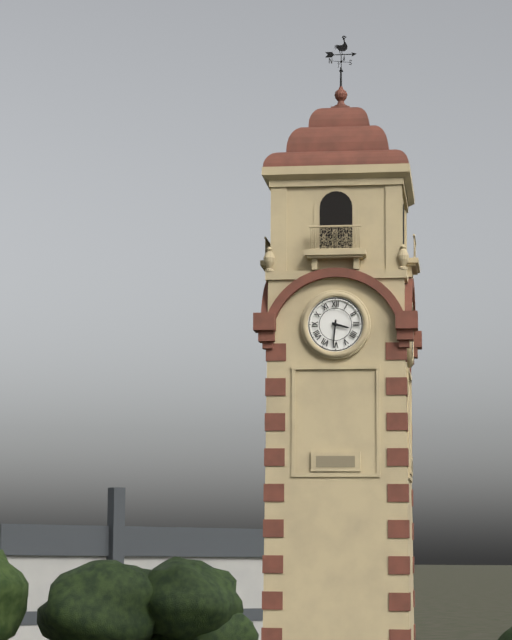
h=3 m=31
